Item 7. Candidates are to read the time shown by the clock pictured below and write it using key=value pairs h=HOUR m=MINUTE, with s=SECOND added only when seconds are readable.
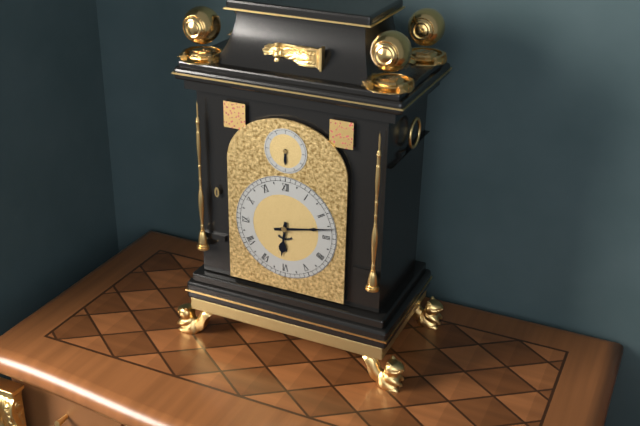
h=6 m=13
